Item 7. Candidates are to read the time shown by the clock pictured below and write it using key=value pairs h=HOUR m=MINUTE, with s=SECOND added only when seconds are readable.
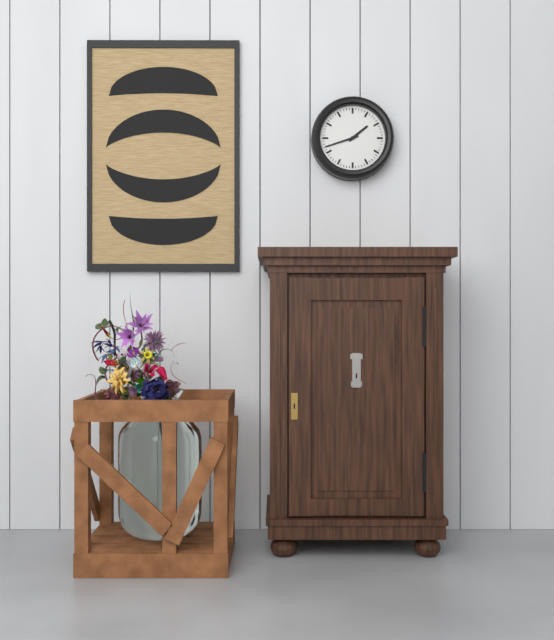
h=1 m=42
